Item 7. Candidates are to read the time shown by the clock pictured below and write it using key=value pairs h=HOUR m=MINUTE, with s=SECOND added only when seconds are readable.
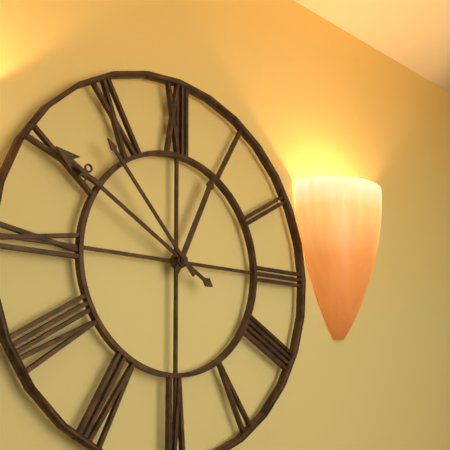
h=12 m=50 s=53
